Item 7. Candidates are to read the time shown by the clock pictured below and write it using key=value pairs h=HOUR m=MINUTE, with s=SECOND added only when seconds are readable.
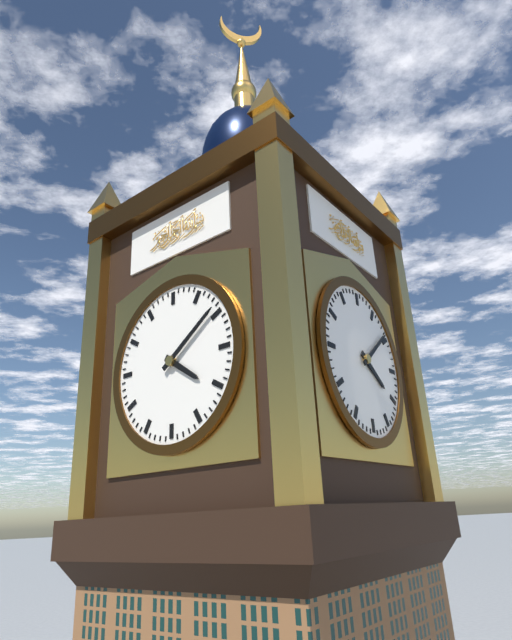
h=4 m=9
